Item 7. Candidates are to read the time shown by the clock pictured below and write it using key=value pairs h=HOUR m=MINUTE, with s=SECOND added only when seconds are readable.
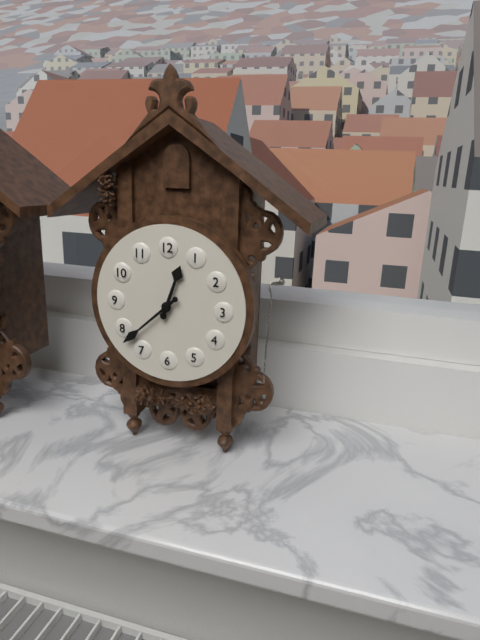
h=12 m=38
